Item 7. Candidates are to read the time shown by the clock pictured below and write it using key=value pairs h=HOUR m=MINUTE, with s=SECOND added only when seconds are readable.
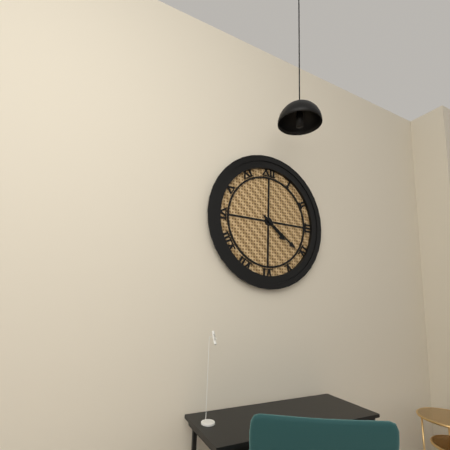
h=4 m=21
